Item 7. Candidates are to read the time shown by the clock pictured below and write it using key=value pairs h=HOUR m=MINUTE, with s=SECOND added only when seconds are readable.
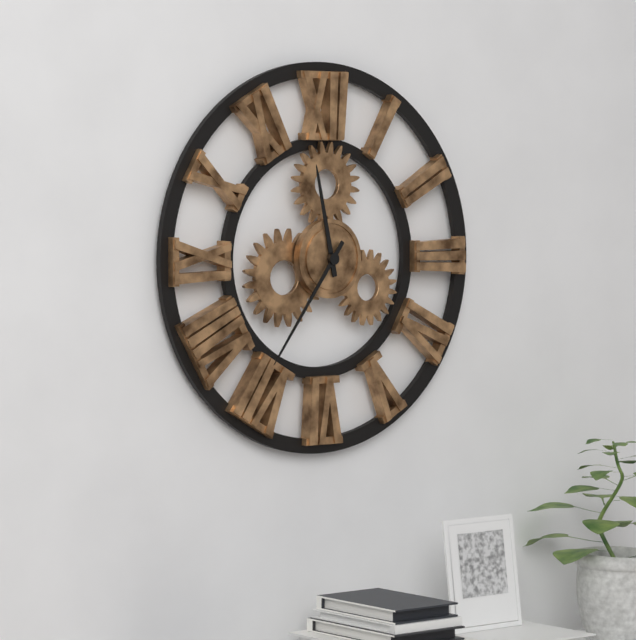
h=11 m=36
